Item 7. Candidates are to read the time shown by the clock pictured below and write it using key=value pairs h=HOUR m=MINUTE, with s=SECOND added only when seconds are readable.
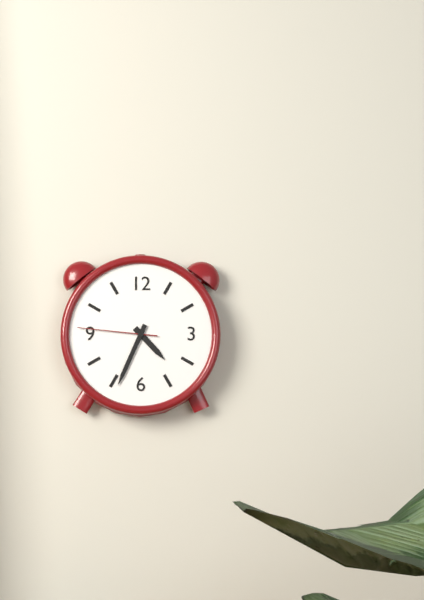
h=4 m=34 s=46
